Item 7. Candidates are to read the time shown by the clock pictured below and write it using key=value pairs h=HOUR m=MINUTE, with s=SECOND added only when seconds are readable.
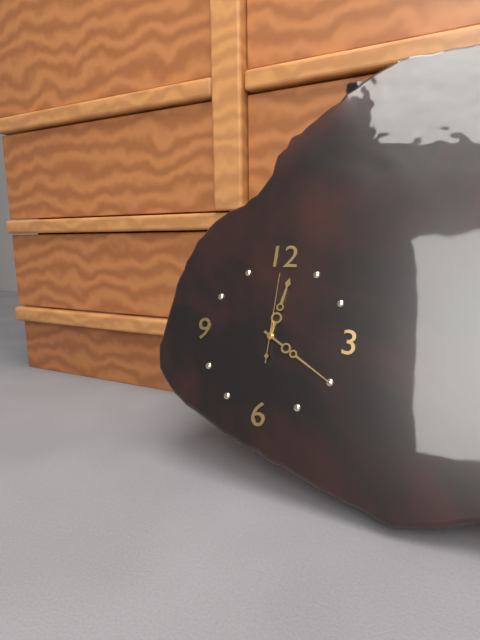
h=12 m=20 s=0
